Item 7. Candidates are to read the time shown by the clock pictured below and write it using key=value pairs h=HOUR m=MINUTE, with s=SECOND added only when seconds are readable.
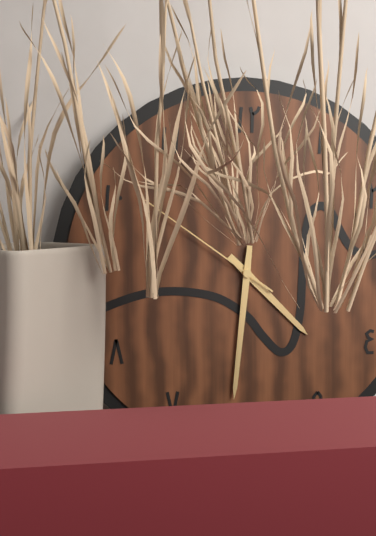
h=4 m=31 s=51
